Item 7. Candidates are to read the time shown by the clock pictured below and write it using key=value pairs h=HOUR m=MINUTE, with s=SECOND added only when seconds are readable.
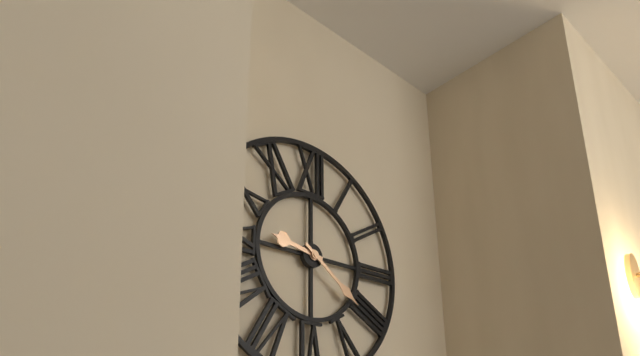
h=9 m=21
